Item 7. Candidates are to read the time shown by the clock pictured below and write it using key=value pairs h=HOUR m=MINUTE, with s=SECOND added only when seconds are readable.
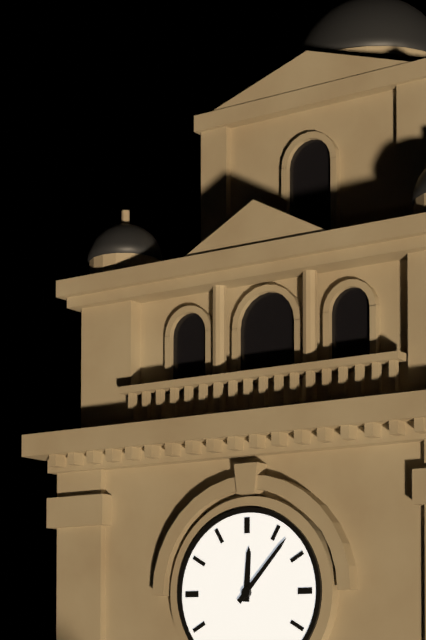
h=12 m=7
